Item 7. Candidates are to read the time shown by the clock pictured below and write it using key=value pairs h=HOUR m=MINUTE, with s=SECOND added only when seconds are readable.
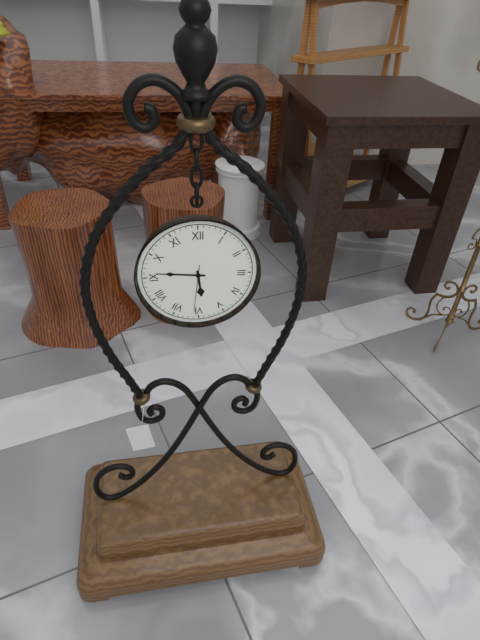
h=5 m=46
